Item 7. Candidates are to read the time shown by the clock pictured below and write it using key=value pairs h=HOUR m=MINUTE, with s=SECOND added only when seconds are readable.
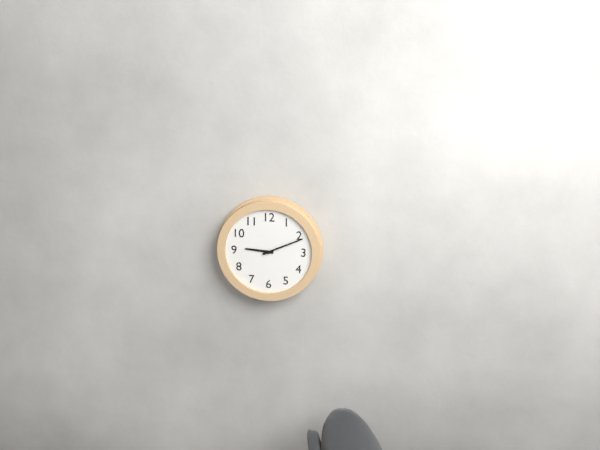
h=9 m=11
